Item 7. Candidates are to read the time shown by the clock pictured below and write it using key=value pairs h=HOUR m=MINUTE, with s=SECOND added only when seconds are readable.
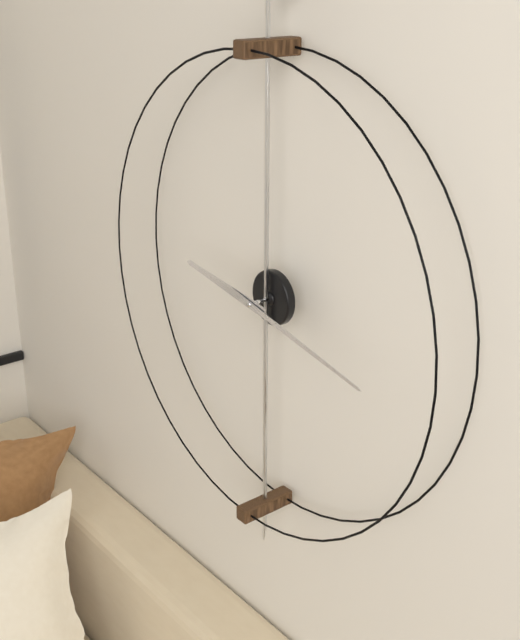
h=9 m=17
